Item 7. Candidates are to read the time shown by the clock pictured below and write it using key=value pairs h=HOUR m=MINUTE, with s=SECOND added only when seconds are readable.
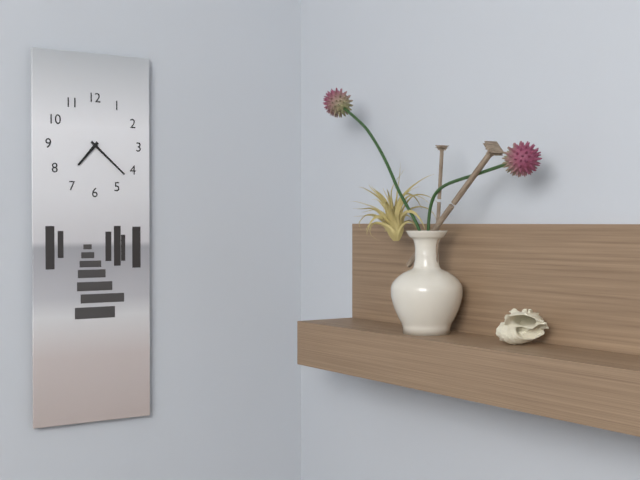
h=7 m=22
